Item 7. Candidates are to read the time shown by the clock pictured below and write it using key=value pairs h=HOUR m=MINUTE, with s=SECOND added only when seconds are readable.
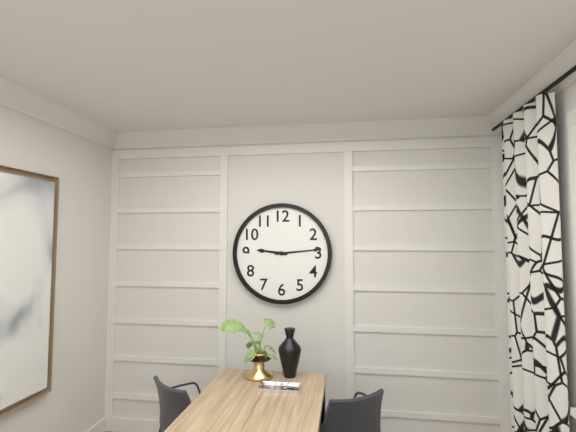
h=9 m=14
